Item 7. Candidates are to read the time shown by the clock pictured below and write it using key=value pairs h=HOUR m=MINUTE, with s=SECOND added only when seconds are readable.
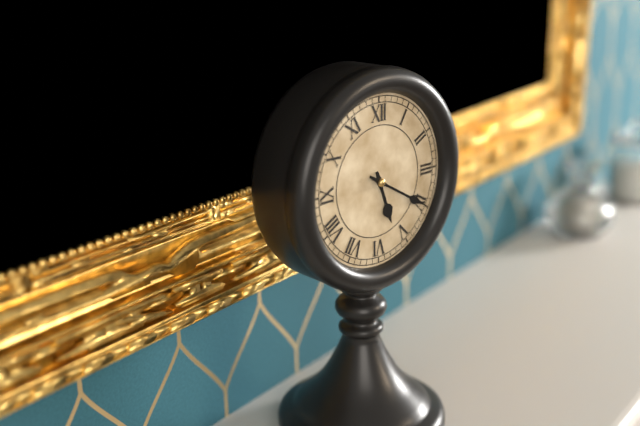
h=5 m=20
